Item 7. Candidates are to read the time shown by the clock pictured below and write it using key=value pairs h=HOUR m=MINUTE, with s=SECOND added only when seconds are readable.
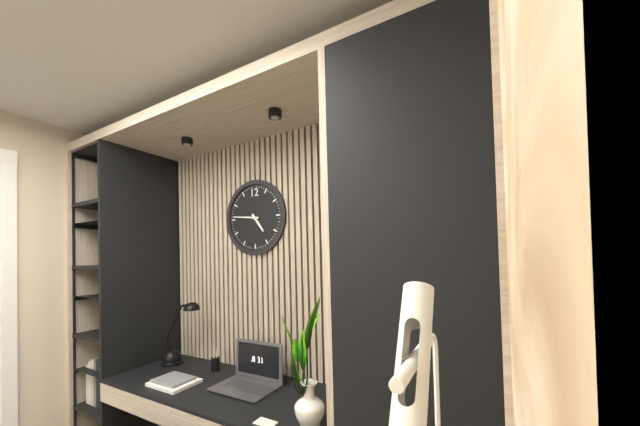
h=4 m=46
